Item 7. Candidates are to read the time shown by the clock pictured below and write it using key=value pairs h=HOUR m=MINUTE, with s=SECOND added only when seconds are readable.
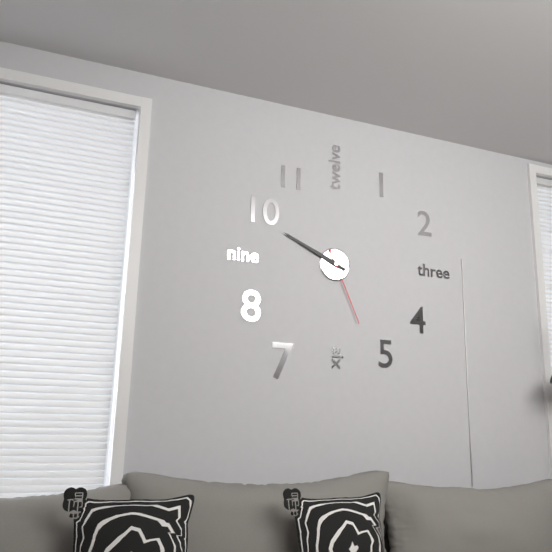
h=9 m=49 s=26
